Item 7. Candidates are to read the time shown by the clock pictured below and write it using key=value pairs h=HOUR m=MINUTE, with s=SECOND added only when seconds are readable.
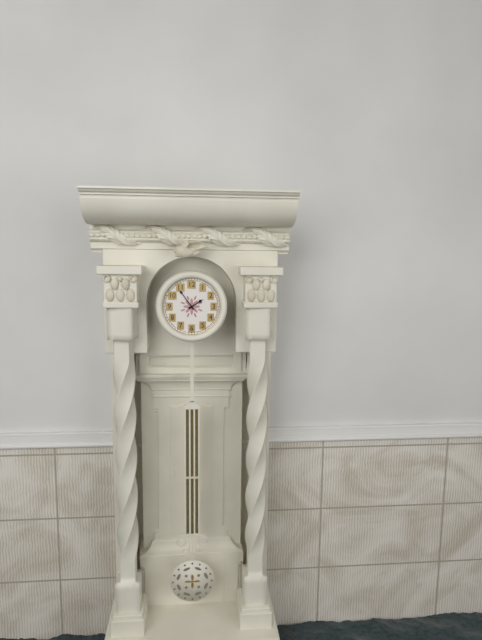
h=1 m=54
